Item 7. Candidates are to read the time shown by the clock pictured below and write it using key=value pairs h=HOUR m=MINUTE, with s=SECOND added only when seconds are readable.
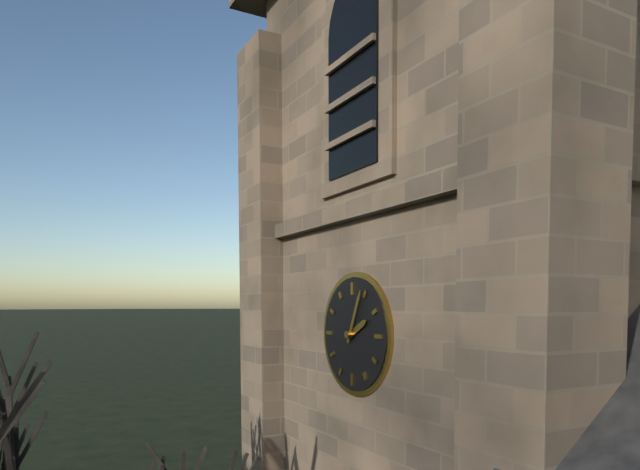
h=2 m=4
